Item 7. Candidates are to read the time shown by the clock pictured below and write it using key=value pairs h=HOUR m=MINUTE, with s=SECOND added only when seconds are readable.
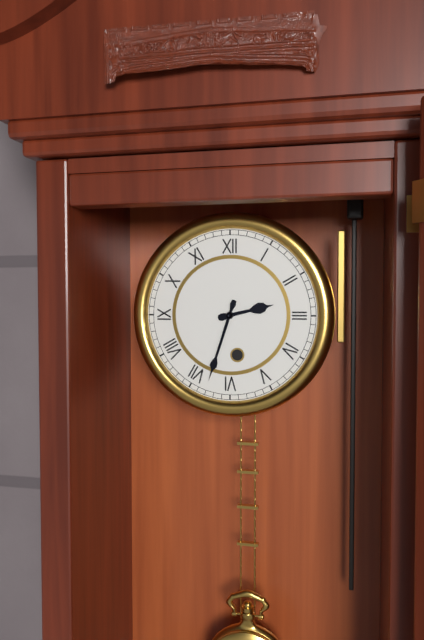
h=2 m=33
